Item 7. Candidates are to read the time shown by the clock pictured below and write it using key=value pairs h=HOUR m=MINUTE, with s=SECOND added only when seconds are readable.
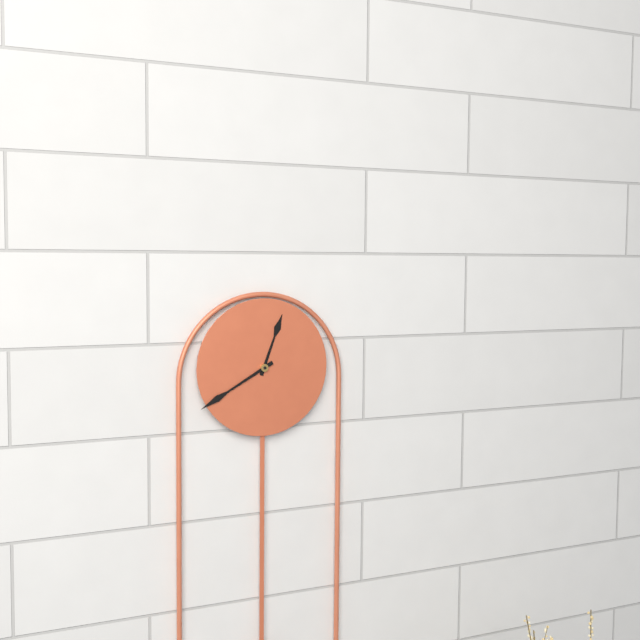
h=12 m=40
